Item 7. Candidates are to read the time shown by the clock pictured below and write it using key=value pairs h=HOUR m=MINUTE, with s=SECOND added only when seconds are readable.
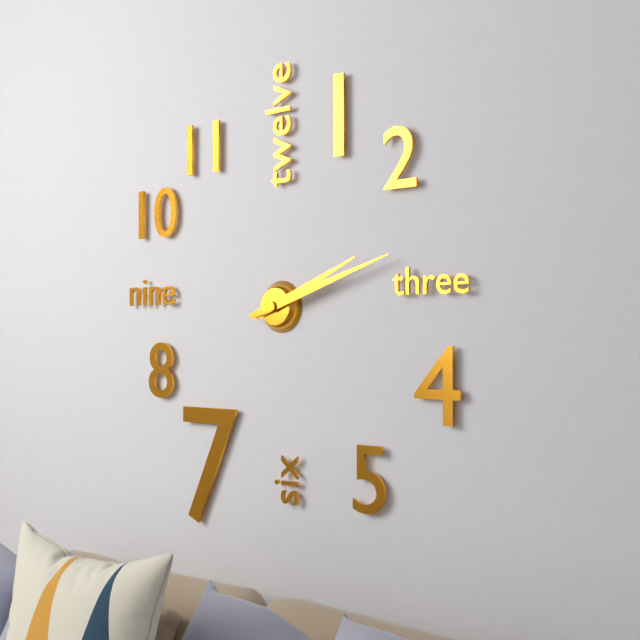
h=2 m=12
